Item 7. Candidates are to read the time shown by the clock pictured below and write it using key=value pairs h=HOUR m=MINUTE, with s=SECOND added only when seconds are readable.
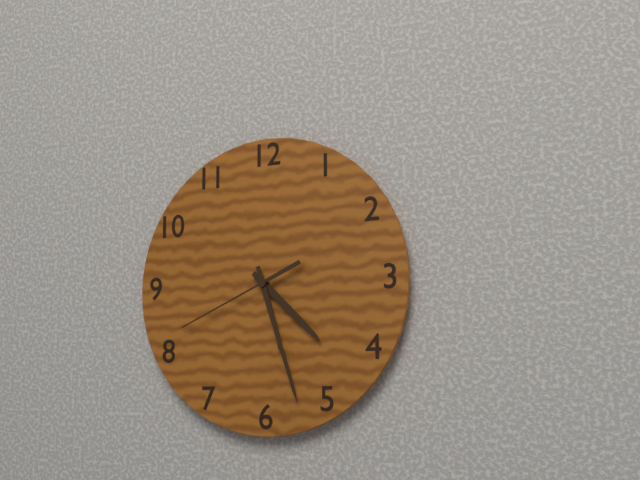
h=4 m=27 s=41
